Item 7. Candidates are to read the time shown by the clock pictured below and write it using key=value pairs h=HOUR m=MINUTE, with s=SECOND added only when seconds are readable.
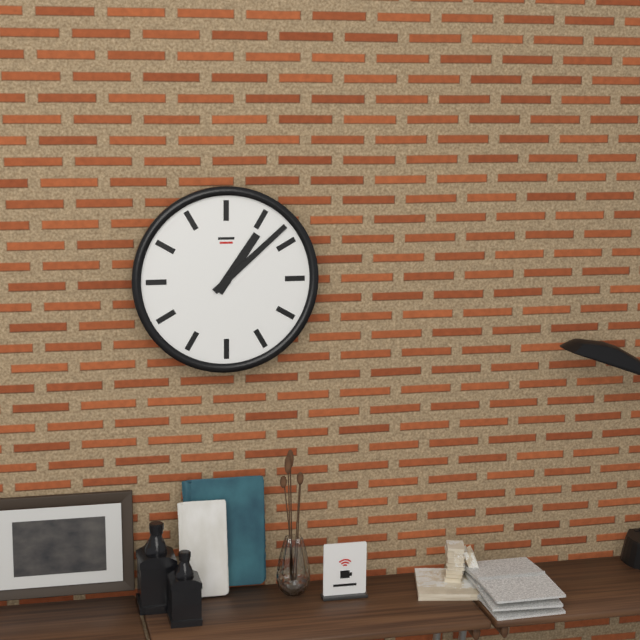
h=1 m=8
